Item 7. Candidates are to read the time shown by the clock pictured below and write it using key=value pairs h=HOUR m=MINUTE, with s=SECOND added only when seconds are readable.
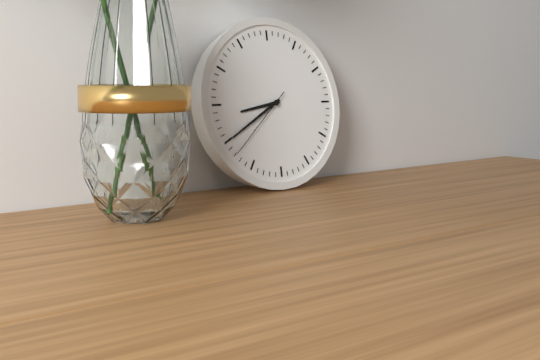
h=8 m=40 s=38
